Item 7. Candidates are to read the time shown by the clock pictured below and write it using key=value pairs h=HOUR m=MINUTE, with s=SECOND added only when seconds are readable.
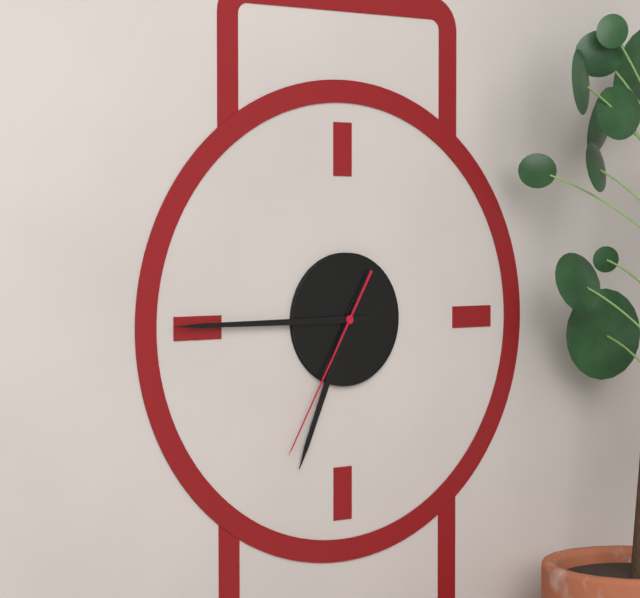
h=6 m=45 s=35
